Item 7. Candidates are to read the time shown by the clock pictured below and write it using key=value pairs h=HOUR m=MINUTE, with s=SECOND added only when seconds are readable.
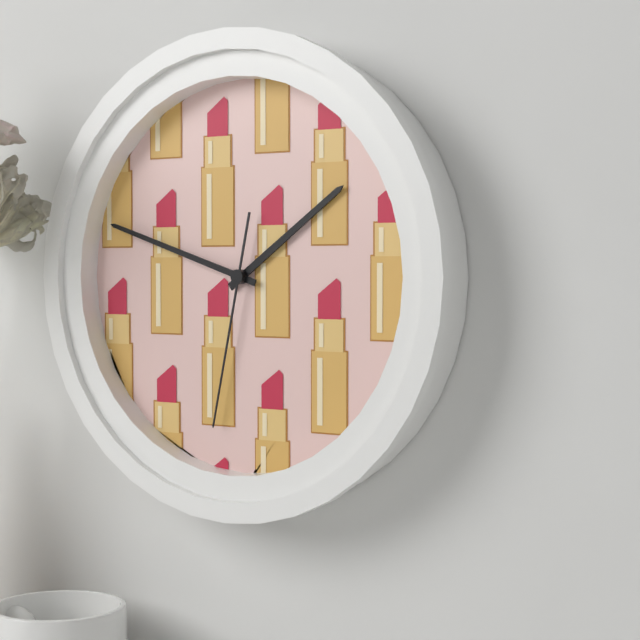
h=1 m=48 s=32
